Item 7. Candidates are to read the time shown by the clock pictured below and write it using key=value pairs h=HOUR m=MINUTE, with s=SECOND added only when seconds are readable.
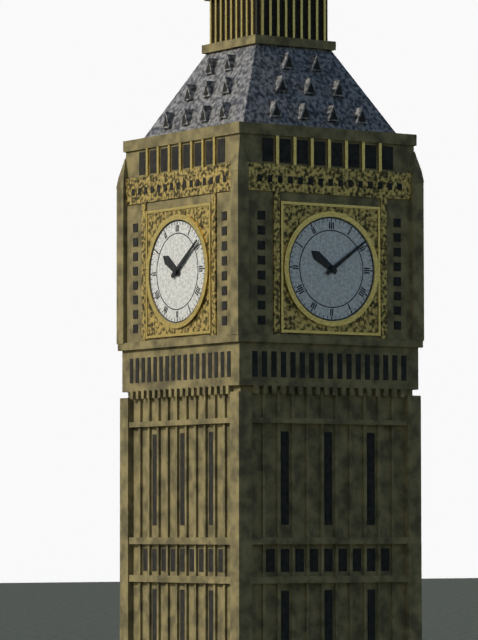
h=10 m=9
